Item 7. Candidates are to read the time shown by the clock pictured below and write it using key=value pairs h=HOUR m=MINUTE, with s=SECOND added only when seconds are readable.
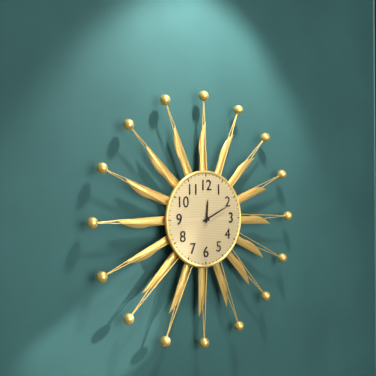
h=12 m=11
